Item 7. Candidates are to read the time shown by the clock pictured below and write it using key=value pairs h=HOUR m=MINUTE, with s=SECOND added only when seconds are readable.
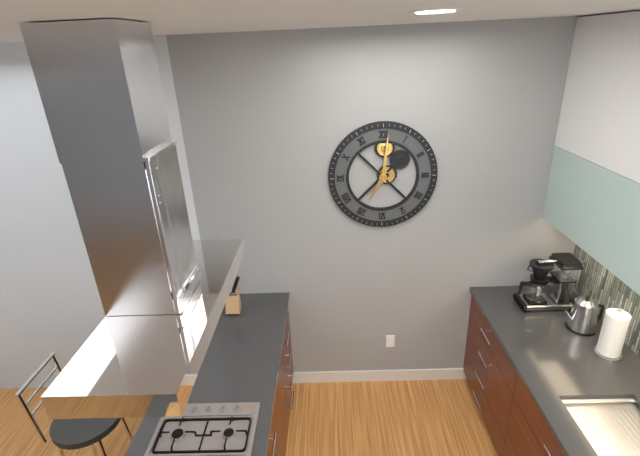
h=7 m=1
